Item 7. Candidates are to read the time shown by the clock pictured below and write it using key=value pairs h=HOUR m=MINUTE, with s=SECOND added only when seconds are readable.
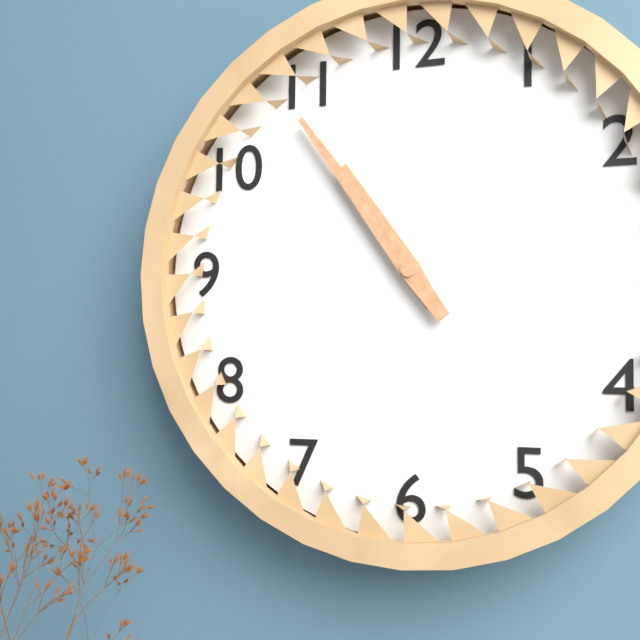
h=10 m=54
